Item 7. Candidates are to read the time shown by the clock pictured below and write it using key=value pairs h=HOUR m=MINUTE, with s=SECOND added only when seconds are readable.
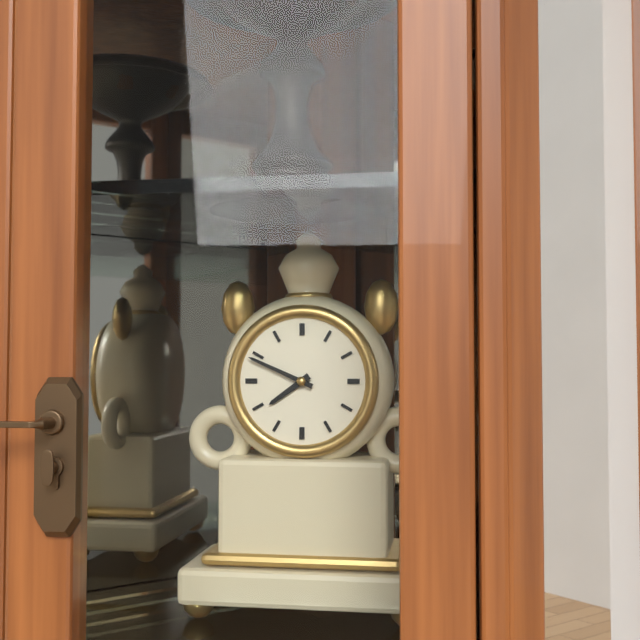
h=7 m=49
